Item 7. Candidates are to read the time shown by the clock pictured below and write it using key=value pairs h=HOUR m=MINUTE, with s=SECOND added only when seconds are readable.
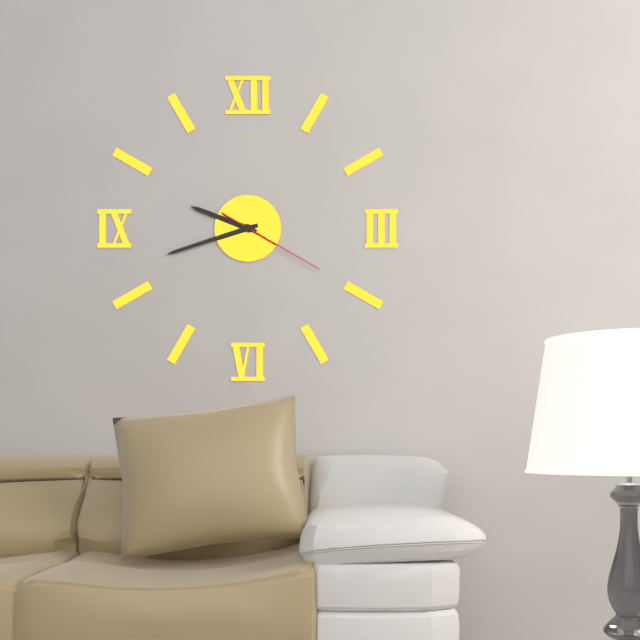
h=9 m=42 s=20
